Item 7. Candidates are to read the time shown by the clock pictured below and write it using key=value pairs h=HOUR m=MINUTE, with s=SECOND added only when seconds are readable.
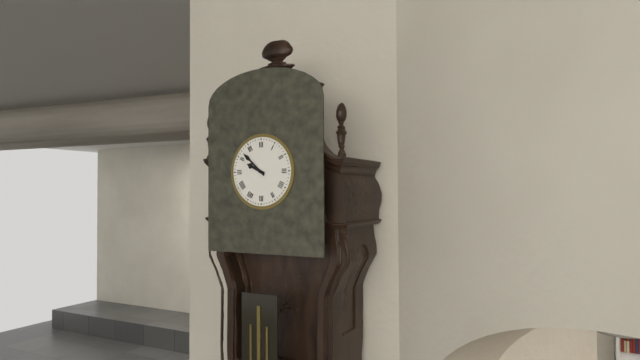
h=9 m=52
